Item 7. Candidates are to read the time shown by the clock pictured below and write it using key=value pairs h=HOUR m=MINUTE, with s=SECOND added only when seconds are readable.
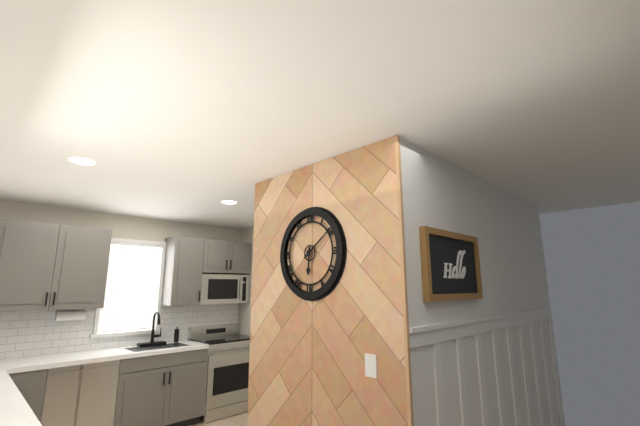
h=6 m=9
